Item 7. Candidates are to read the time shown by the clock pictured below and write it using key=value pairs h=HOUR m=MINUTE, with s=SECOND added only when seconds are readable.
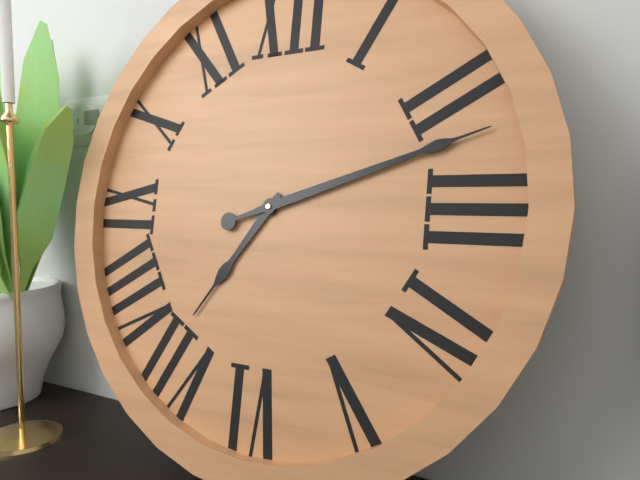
h=7 m=12
